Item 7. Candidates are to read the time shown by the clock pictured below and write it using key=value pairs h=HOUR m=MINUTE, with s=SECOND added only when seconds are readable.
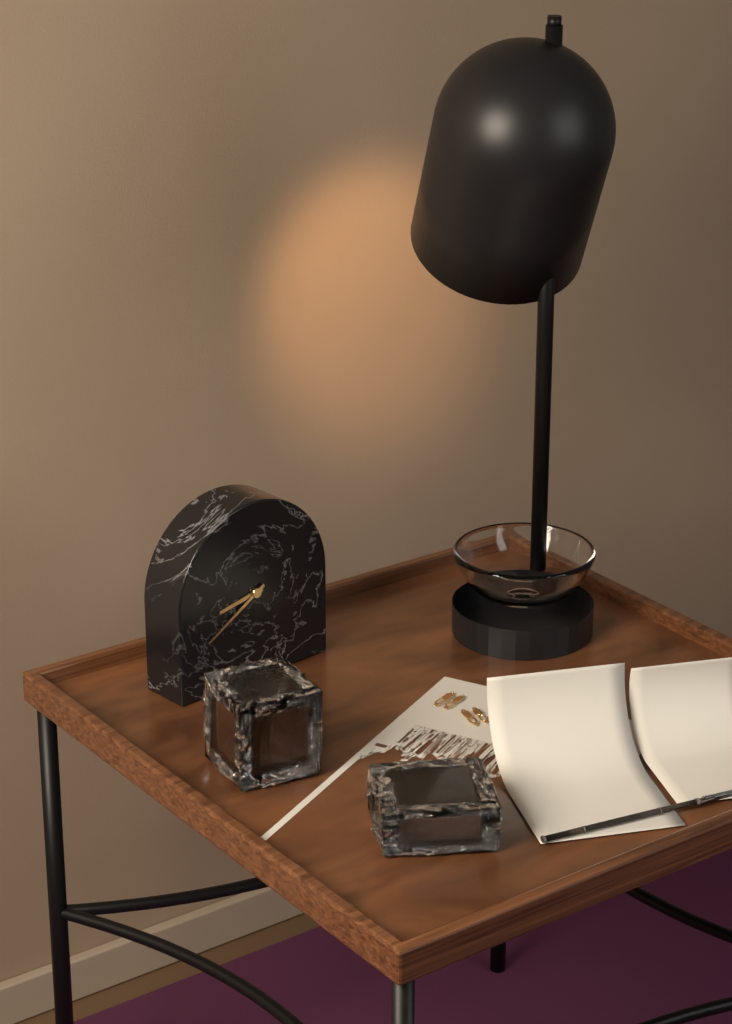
h=8 m=40
